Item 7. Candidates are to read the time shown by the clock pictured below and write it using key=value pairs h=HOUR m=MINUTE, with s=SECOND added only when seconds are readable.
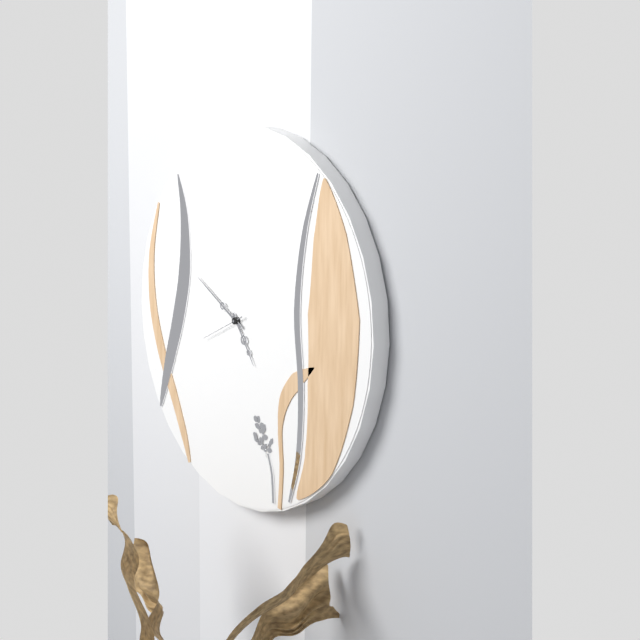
h=4 m=50
